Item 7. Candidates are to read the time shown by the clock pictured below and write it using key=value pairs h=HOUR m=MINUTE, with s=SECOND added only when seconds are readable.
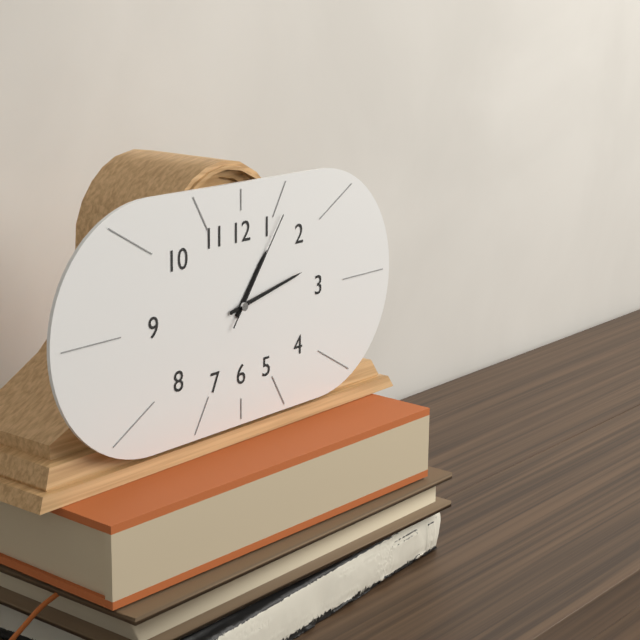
h=1 m=13 s=6
